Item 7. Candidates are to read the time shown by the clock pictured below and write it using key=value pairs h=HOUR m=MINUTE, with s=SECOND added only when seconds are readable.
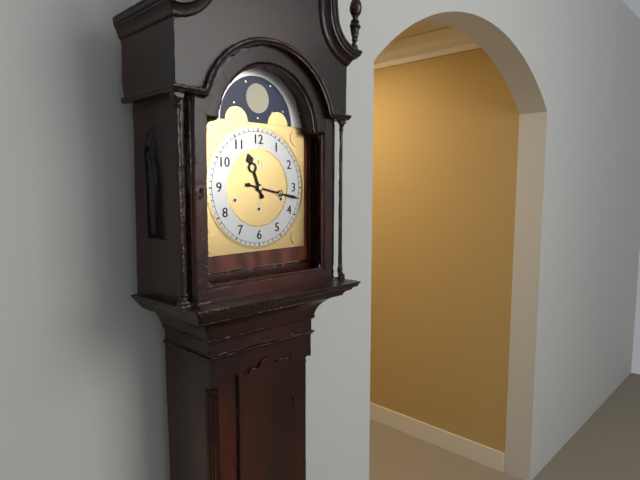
h=11 m=17
